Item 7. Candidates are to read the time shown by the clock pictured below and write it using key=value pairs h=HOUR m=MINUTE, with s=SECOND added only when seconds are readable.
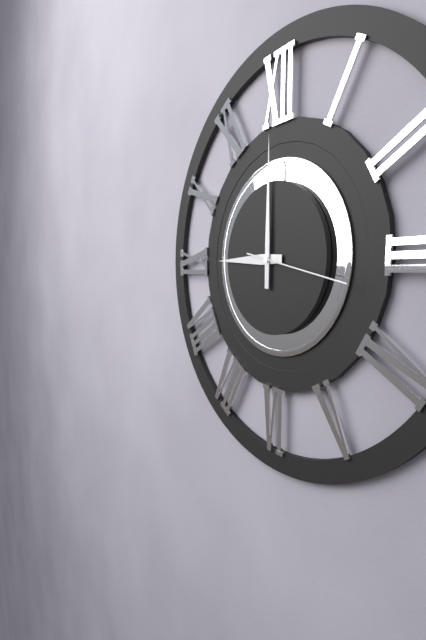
h=9 m=0 s=17
